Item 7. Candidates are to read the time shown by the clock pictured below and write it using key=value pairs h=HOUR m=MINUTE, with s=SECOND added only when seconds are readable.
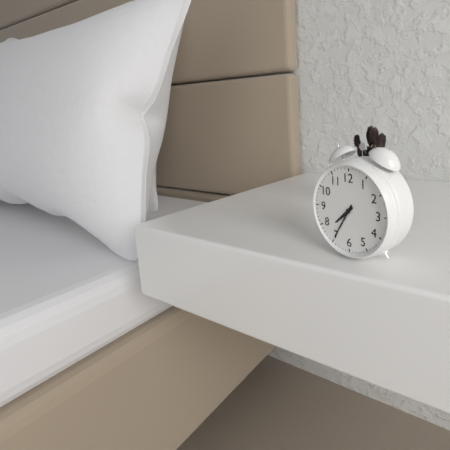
h=7 m=35
